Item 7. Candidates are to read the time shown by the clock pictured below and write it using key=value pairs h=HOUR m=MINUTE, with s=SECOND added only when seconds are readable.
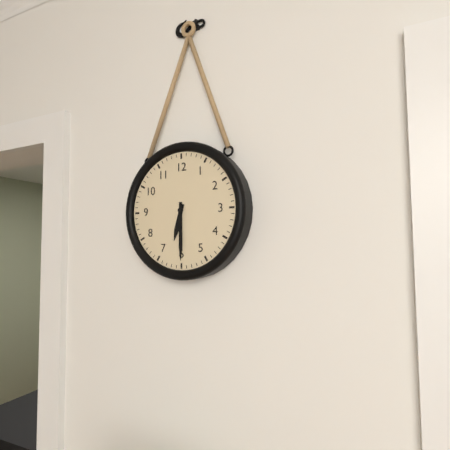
h=6 m=30
